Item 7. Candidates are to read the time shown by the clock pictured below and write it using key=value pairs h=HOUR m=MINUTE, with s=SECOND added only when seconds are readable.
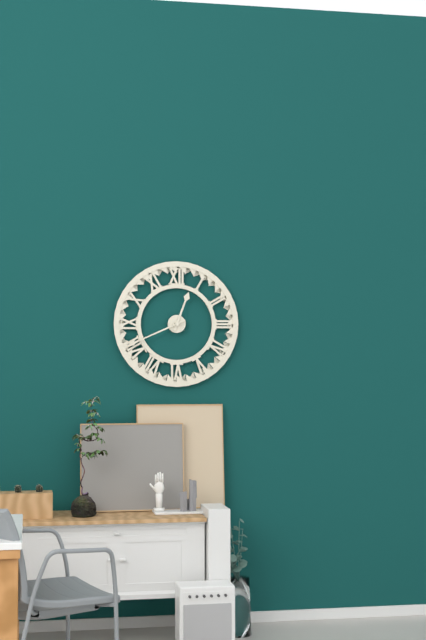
h=12 m=41
